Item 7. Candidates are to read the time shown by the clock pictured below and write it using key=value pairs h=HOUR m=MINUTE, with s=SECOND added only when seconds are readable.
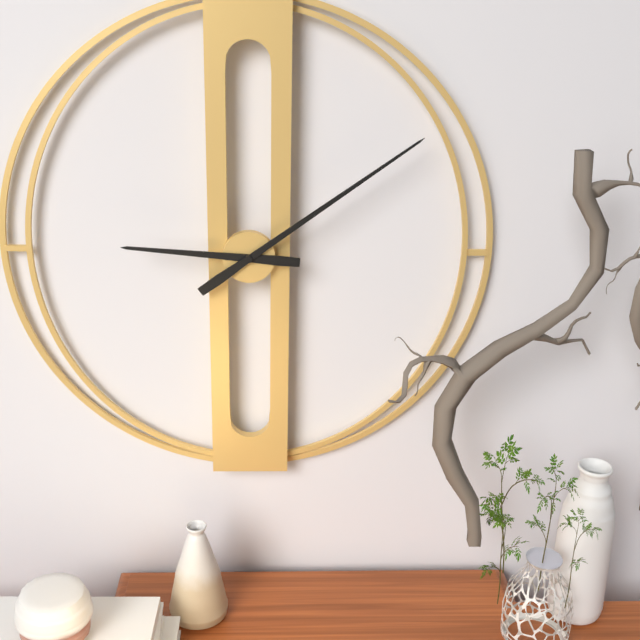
h=9 m=9
